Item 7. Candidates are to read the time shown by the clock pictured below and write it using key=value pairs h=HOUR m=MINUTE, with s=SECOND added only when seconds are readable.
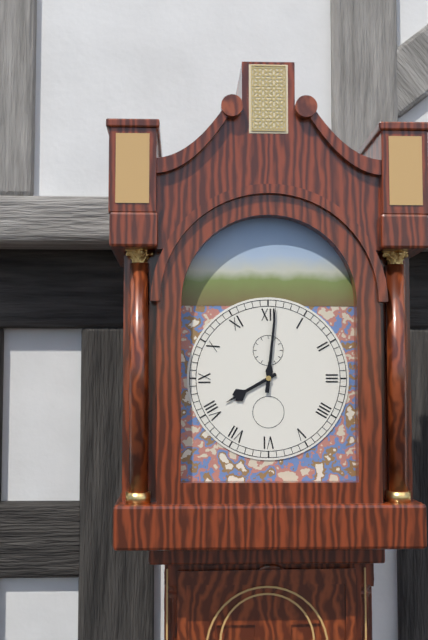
h=8 m=1
